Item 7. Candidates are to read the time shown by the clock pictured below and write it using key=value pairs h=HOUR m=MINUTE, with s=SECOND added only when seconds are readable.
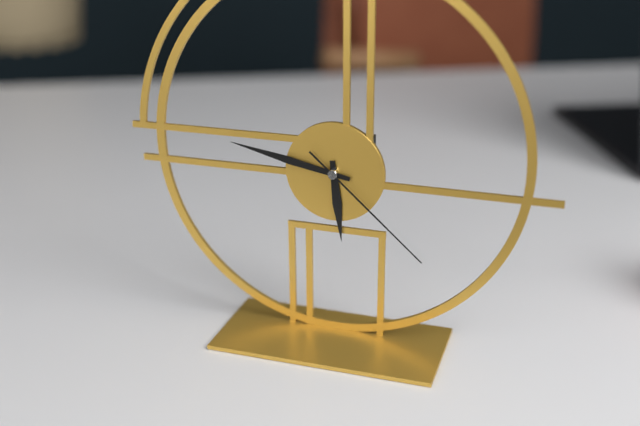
h=5 m=47 s=22
